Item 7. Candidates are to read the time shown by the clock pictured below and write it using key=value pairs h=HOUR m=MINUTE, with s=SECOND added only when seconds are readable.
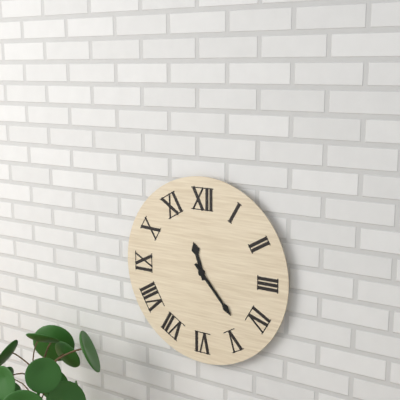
h=11 m=23
